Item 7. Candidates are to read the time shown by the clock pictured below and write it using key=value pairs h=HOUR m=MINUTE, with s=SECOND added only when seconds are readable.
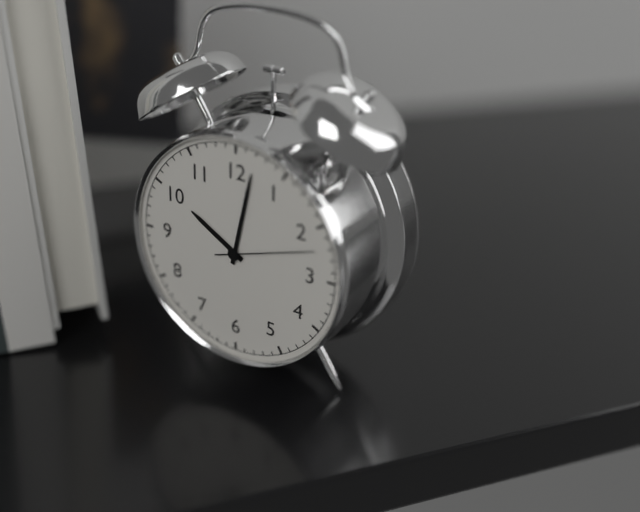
h=10 m=2 s=12
